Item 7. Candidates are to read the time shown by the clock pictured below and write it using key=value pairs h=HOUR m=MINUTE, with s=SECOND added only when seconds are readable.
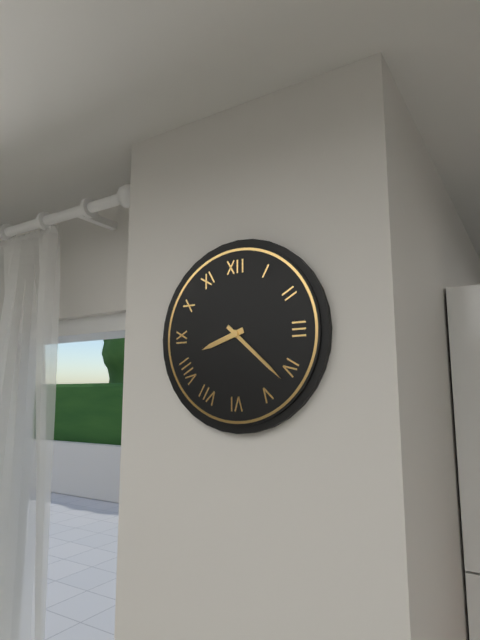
h=8 m=22
